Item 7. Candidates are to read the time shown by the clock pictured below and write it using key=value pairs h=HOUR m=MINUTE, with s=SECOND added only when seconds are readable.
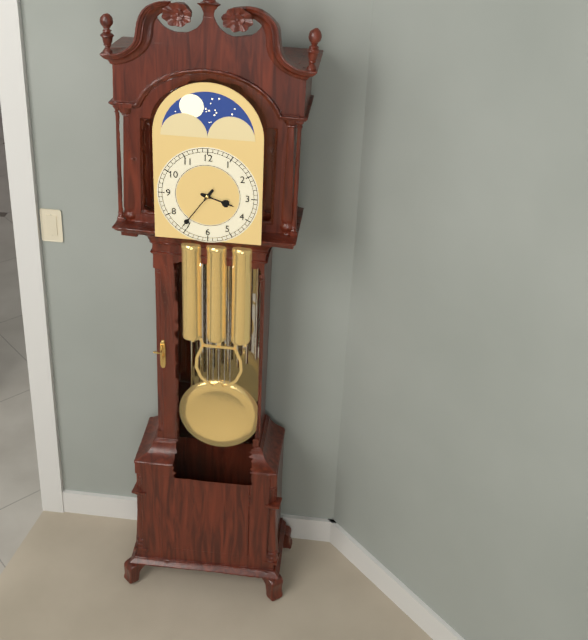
h=3 m=36
